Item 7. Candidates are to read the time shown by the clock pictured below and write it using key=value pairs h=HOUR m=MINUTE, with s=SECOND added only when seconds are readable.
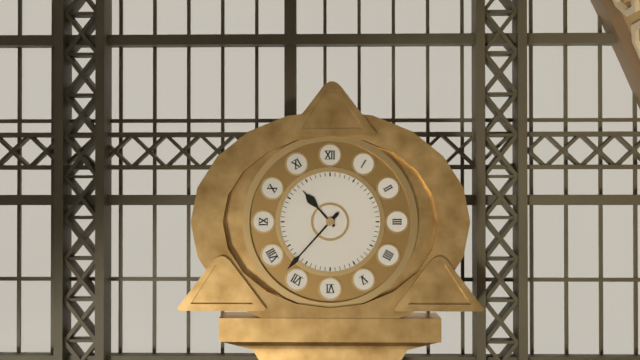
h=10 m=37
